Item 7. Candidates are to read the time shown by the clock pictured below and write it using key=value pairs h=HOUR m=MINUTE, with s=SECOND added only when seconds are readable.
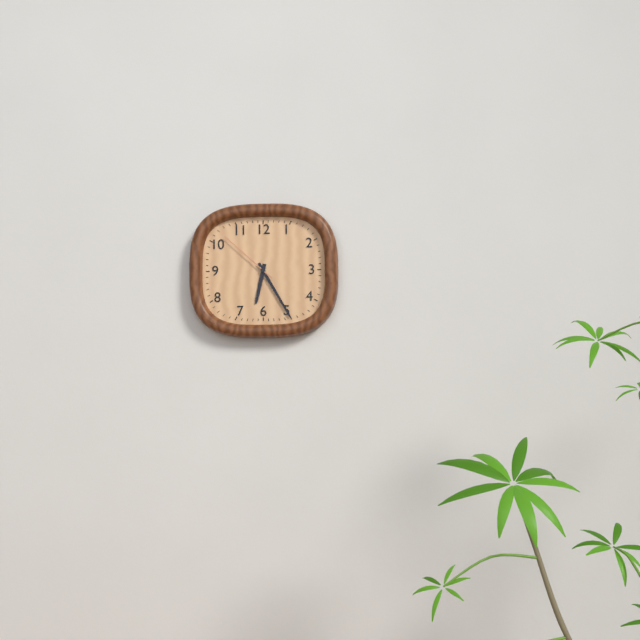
h=6 m=25 s=52
